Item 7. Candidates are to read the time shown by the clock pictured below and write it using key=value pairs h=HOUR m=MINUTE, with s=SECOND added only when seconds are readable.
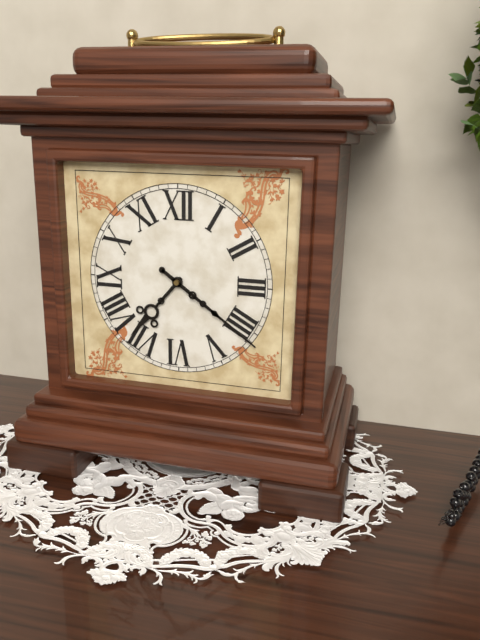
h=7 m=21
